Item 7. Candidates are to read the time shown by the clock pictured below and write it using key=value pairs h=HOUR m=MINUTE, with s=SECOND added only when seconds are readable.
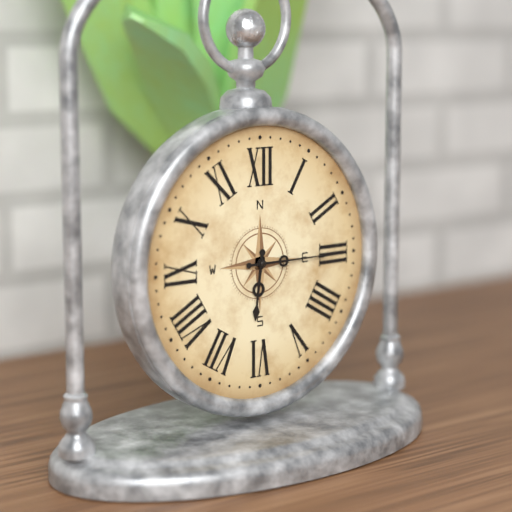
h=6 m=15
